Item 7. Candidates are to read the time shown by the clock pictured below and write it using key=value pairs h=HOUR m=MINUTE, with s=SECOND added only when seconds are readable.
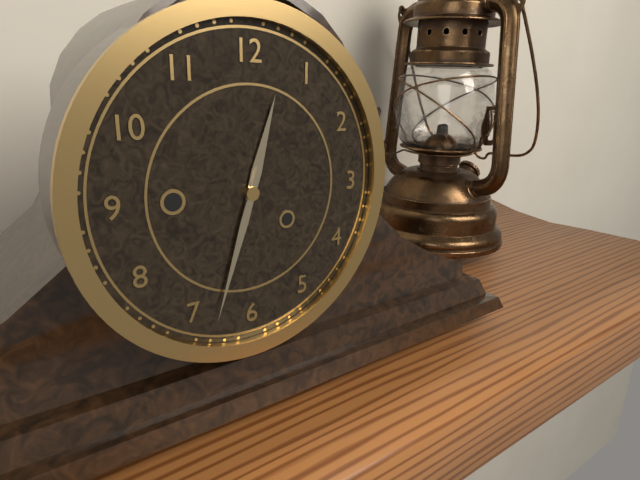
h=12 m=33
